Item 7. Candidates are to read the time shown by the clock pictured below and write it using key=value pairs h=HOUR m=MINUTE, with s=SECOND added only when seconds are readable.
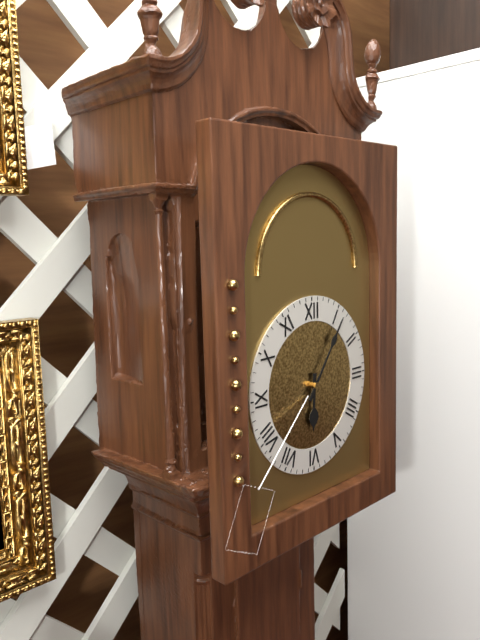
h=6 m=6
